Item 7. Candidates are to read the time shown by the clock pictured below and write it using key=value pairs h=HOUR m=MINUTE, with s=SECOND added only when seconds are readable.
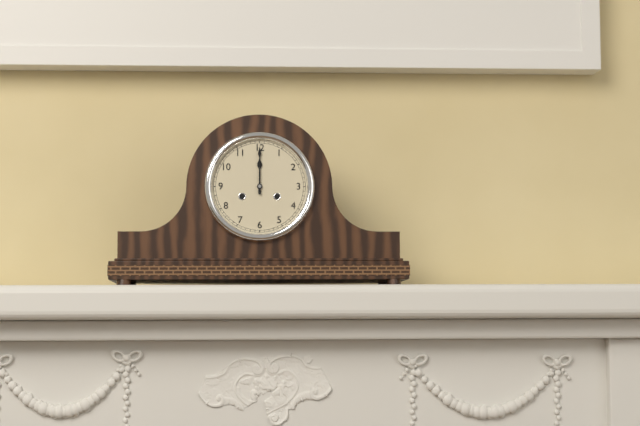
h=12 m=0
